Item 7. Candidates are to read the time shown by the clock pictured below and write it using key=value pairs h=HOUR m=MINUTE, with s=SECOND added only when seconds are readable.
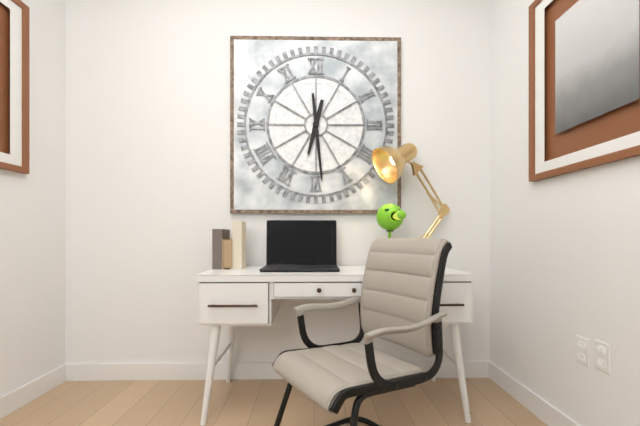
h=6 m=29
